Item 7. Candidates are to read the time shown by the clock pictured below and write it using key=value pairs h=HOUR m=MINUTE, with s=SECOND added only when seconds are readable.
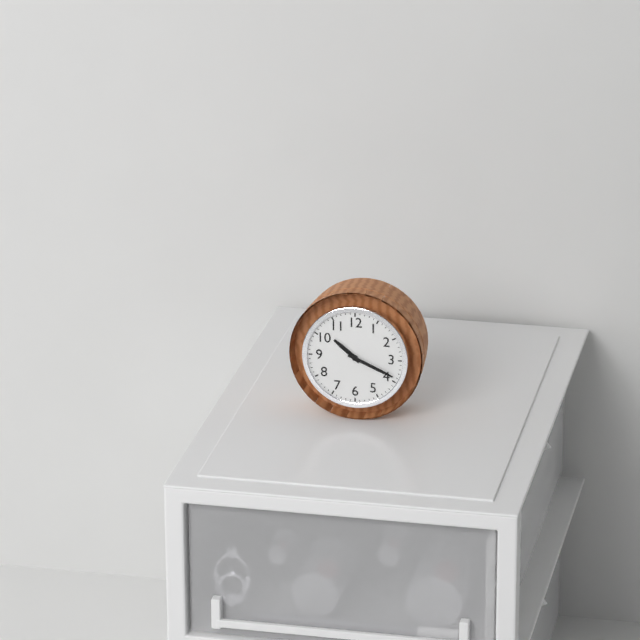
h=10 m=19
